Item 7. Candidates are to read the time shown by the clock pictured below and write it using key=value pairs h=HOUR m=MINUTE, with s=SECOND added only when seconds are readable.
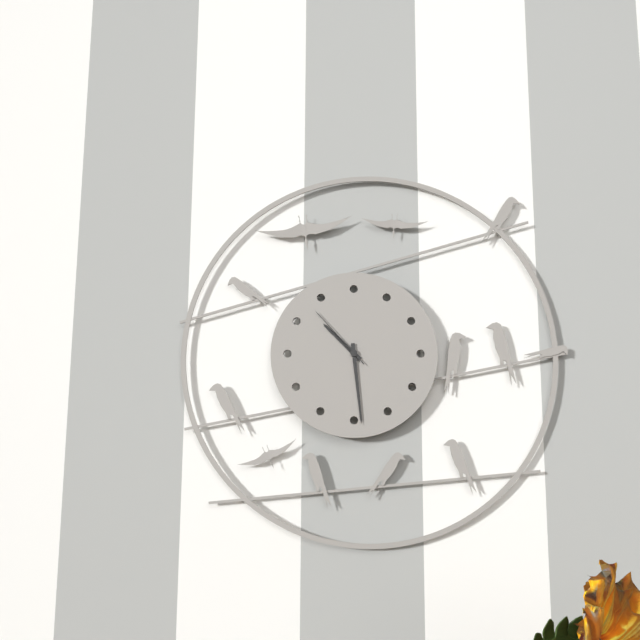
h=10 m=29 s=53
